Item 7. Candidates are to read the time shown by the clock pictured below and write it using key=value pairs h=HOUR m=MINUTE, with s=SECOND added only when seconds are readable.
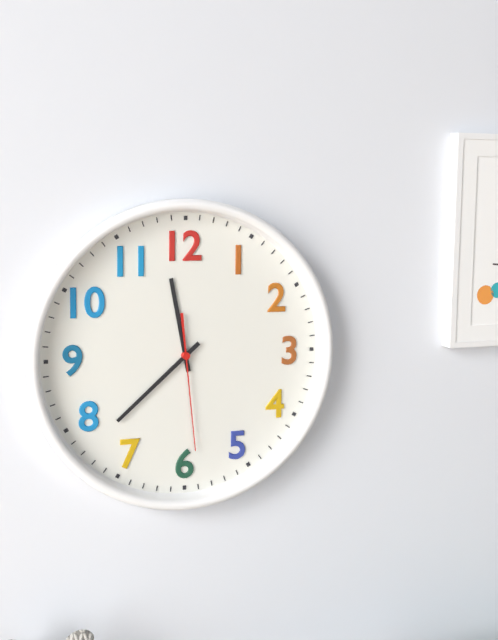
h=11 m=38 s=29
